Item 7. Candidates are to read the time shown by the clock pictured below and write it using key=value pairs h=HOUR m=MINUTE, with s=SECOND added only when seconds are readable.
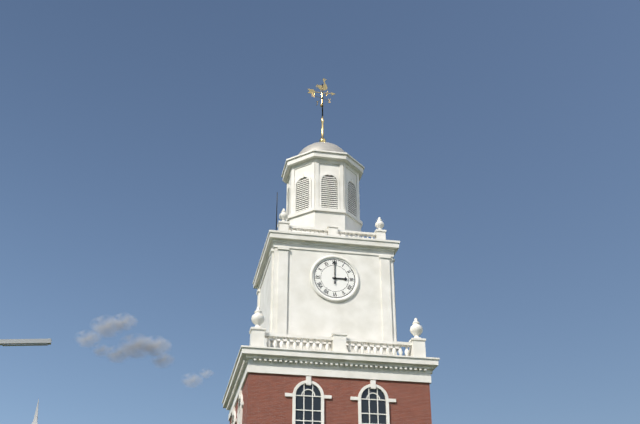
h=3 m=0
